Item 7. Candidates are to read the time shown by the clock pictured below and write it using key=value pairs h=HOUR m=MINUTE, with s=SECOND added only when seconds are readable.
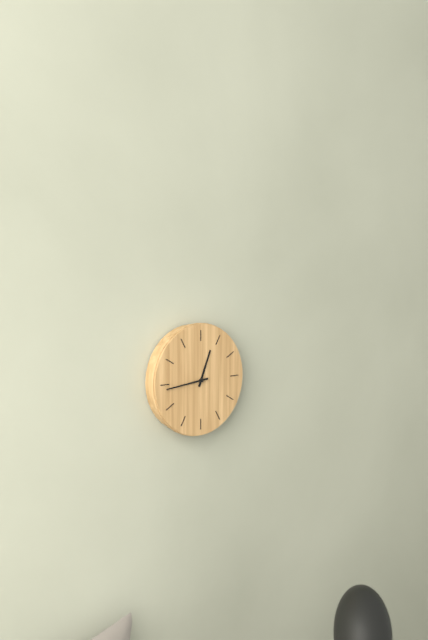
h=12 m=44
